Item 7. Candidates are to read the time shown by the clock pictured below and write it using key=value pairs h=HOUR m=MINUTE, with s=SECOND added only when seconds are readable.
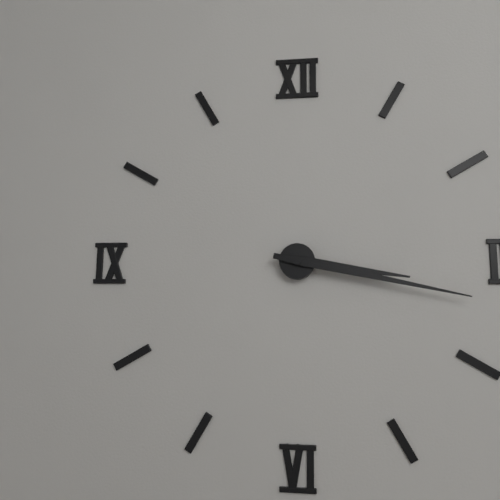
h=3 m=17
